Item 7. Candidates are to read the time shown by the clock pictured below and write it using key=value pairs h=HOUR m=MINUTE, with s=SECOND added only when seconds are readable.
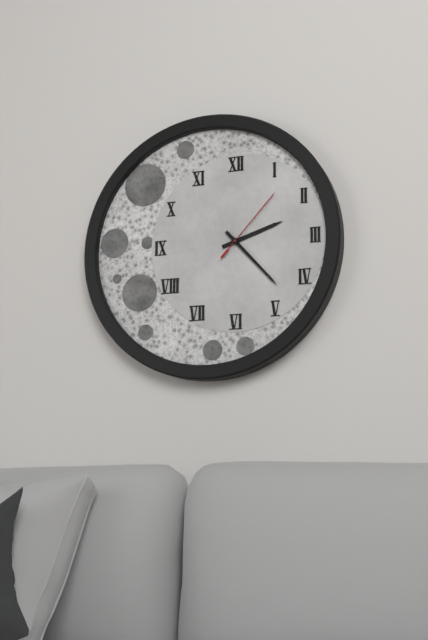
h=2 m=23 s=7
